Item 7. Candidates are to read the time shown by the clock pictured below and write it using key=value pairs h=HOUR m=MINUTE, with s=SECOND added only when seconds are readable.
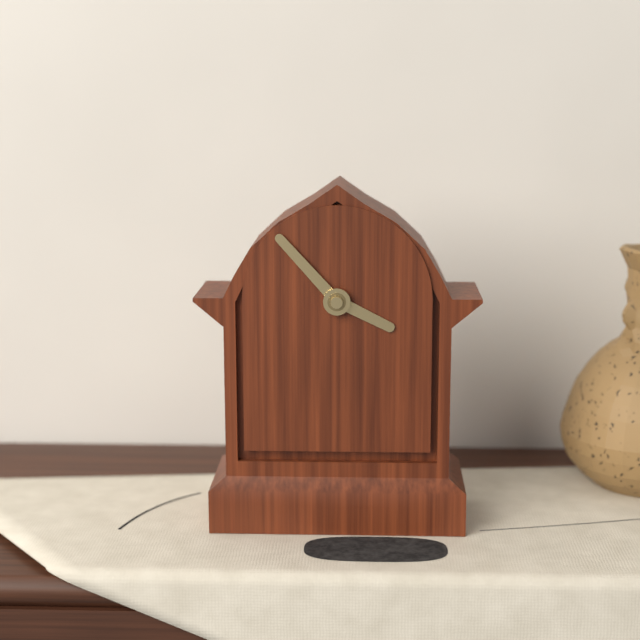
h=3 m=53
